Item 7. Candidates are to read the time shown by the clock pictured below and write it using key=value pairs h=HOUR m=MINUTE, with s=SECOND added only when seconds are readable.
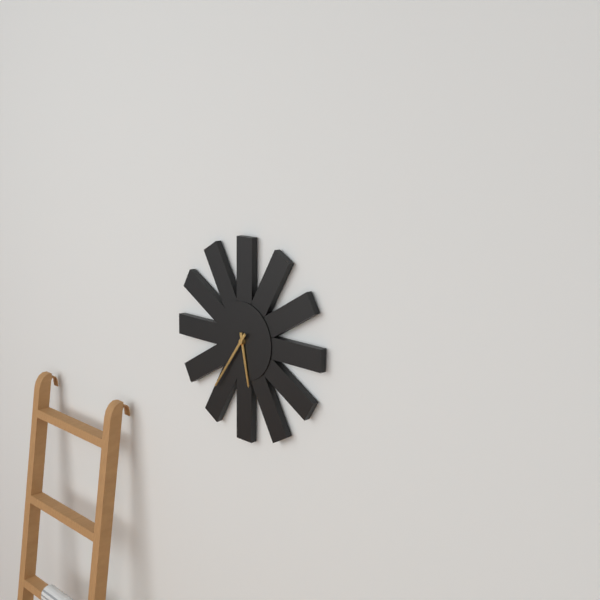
h=5 m=36
